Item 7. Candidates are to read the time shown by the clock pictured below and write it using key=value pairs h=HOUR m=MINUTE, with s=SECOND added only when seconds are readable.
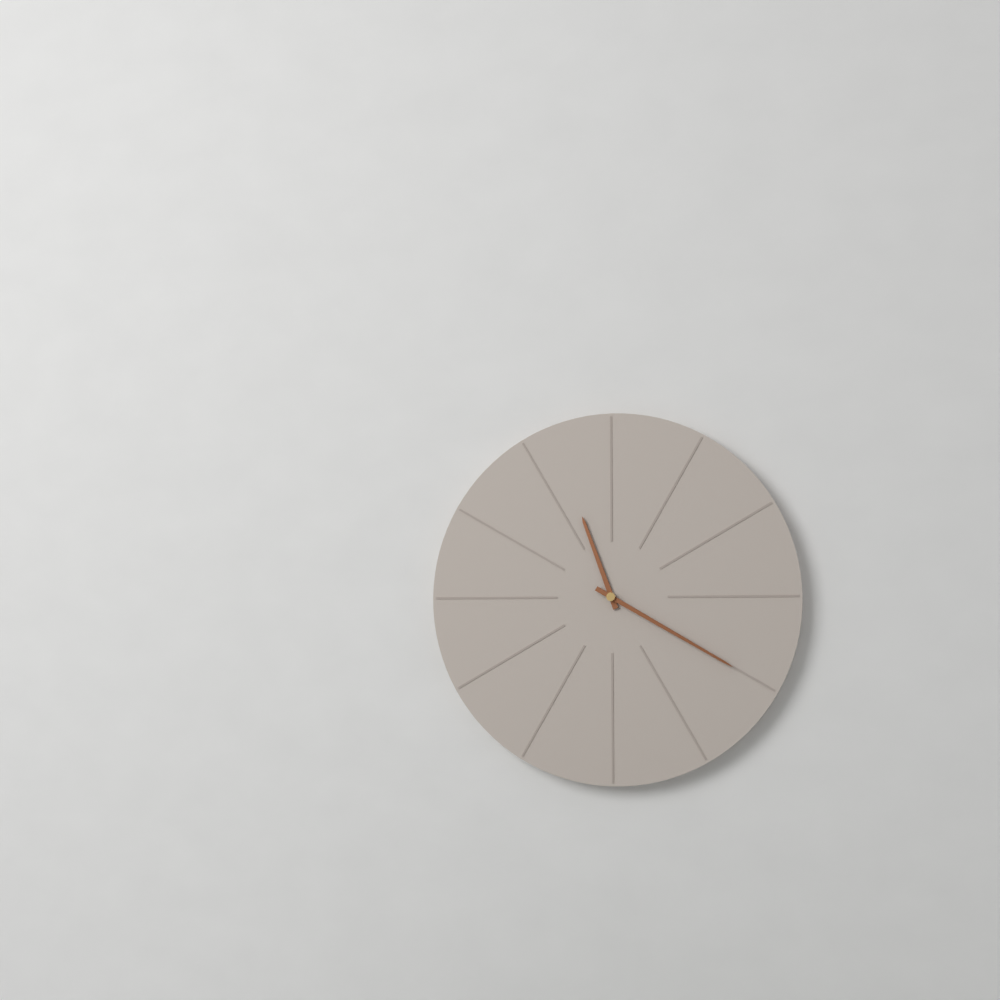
h=11 m=20
